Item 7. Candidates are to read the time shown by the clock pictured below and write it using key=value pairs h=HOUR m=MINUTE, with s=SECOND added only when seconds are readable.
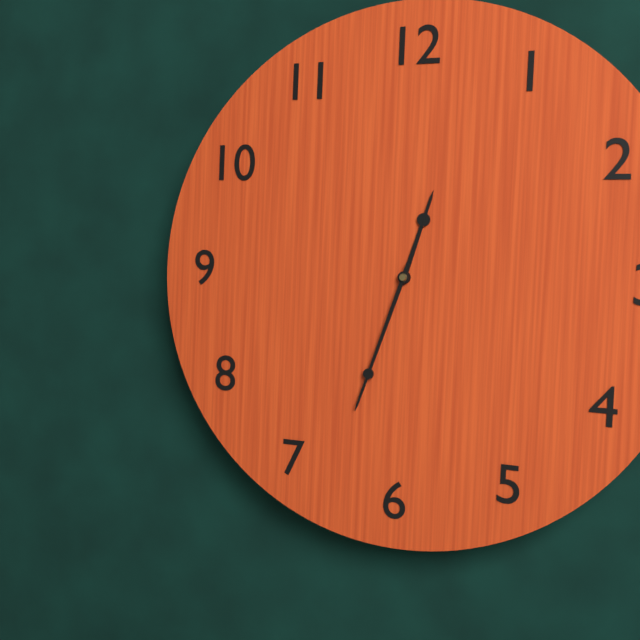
h=12 m=33
